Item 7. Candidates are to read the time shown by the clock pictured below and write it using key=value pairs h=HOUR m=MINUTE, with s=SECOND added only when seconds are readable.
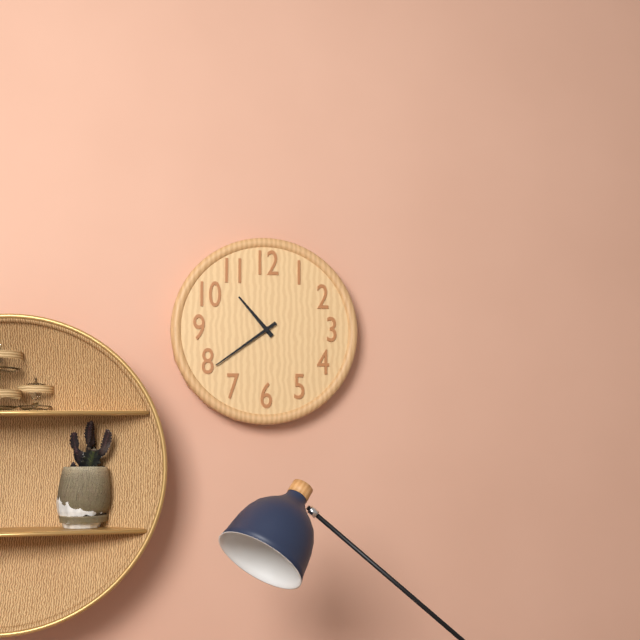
h=10 m=39
